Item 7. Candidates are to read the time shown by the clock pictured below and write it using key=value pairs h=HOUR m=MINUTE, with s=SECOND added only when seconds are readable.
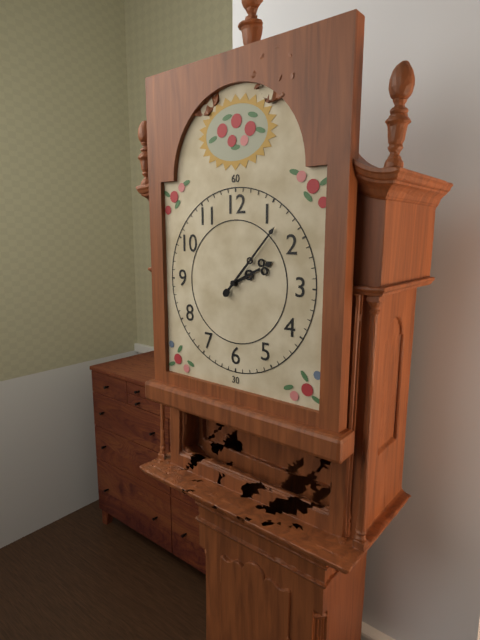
h=2 m=7
